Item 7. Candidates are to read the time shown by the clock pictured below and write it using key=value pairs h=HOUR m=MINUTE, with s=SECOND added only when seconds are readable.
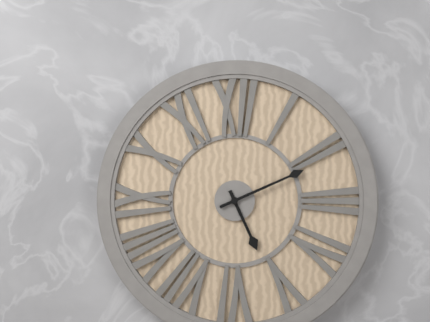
h=5 m=11
